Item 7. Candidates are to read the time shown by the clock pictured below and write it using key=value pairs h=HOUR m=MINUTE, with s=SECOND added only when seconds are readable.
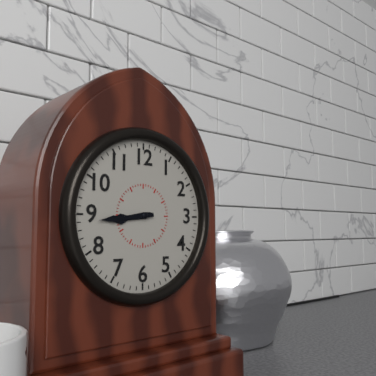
h=8 m=44
